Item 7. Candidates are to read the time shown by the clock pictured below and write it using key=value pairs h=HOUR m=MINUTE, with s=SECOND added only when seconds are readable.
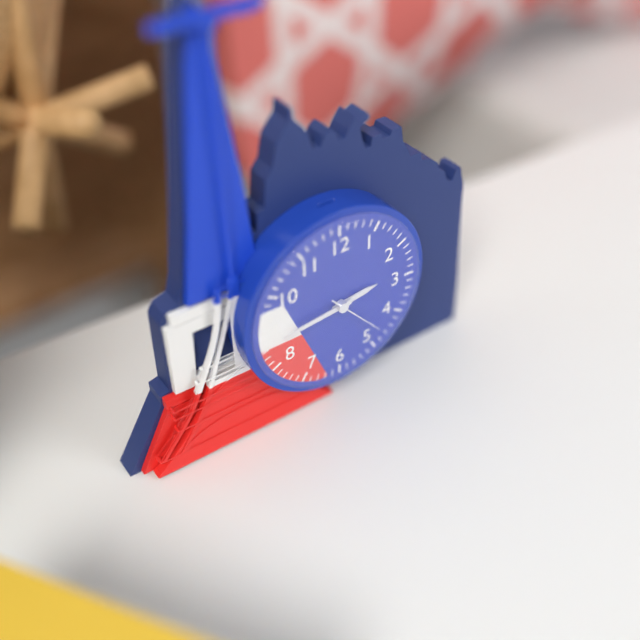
h=2 m=44 s=23
